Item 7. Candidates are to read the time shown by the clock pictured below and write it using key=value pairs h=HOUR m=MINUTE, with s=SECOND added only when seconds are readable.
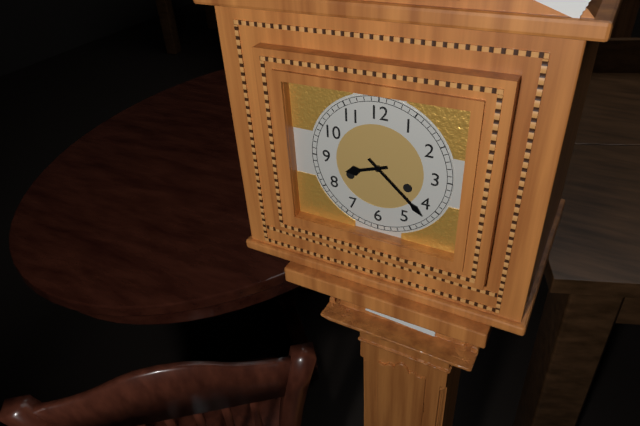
h=8 m=22
